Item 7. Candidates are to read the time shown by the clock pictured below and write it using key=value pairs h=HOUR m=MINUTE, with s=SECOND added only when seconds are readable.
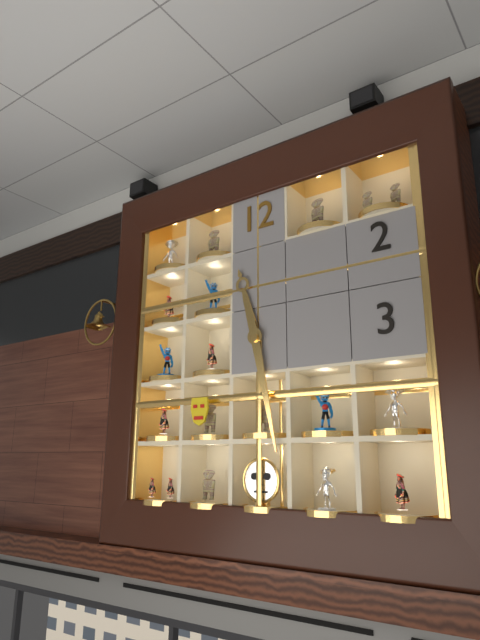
h=11 m=28
